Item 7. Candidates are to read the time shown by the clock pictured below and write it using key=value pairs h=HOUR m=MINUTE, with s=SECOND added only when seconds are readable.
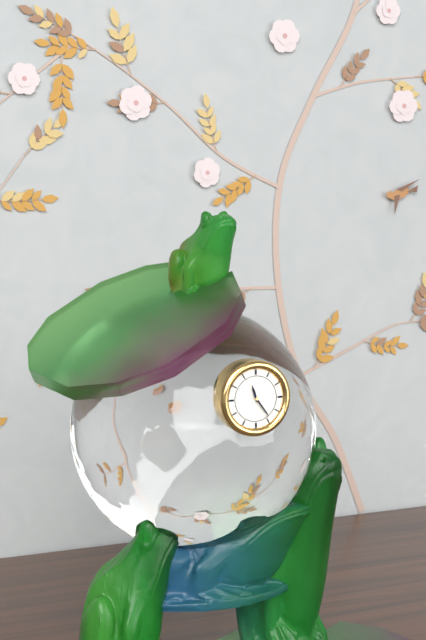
h=11 m=24
